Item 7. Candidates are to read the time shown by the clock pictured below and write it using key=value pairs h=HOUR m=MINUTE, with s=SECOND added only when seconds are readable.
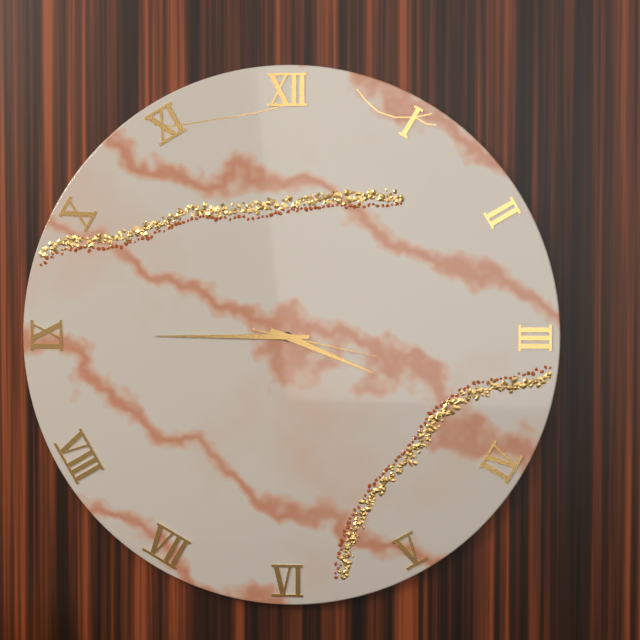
h=3 m=45 s=17
